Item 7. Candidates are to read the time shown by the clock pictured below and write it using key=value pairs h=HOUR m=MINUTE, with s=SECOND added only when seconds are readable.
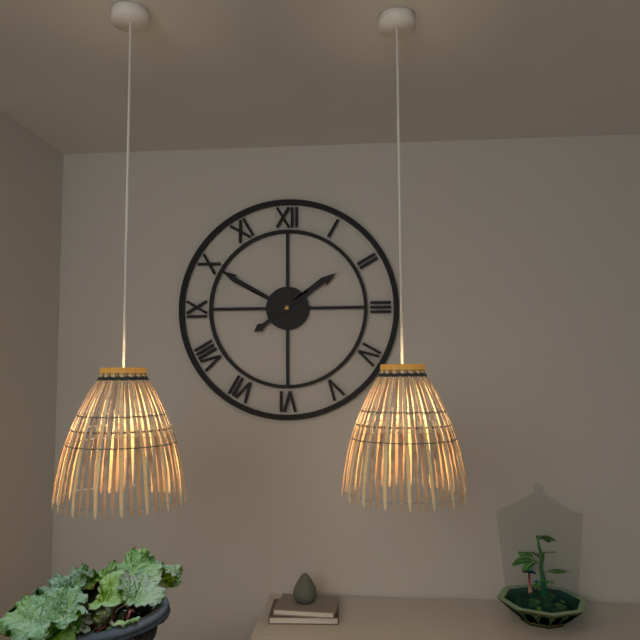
h=1 m=50
